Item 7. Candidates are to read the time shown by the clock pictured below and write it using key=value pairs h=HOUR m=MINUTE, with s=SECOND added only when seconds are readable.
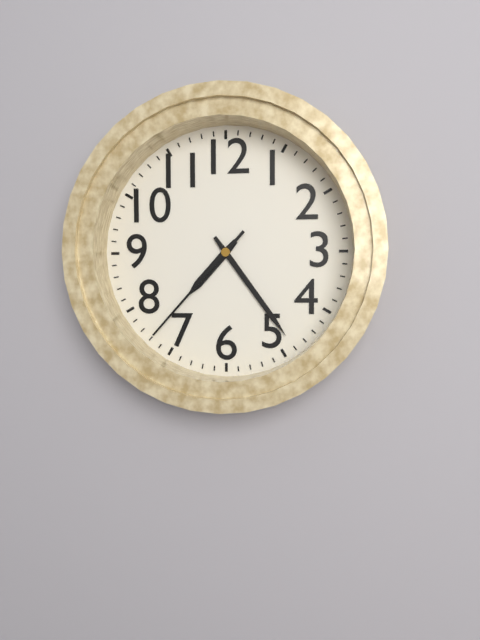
h=7 m=24 s=37
